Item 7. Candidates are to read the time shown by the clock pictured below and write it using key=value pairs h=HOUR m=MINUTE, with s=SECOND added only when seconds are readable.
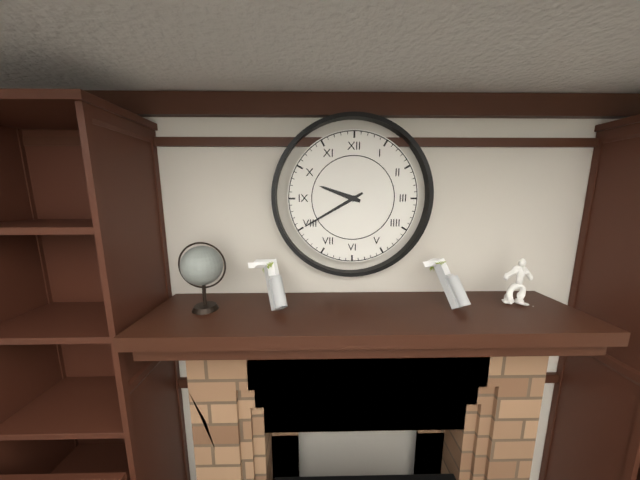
h=9 m=40
